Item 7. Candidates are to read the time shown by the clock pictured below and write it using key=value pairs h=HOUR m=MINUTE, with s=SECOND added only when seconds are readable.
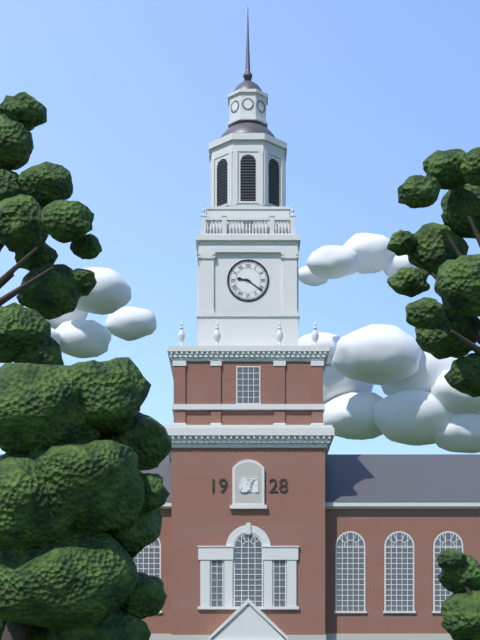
h=9 m=21
